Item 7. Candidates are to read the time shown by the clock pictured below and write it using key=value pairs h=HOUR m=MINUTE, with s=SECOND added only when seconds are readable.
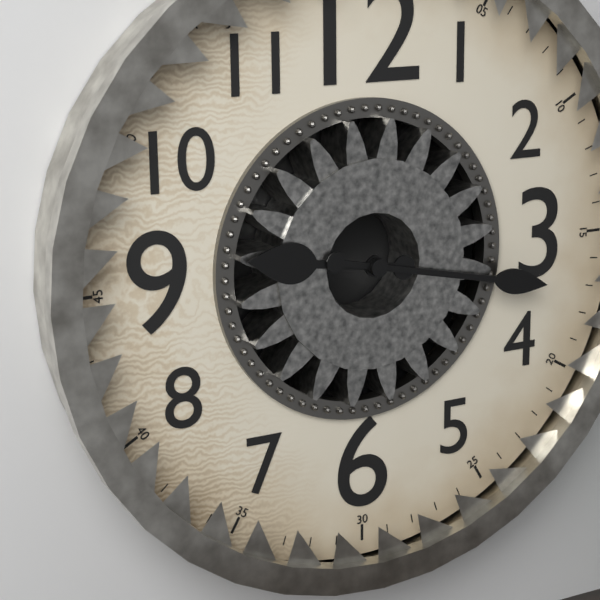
h=9 m=17
